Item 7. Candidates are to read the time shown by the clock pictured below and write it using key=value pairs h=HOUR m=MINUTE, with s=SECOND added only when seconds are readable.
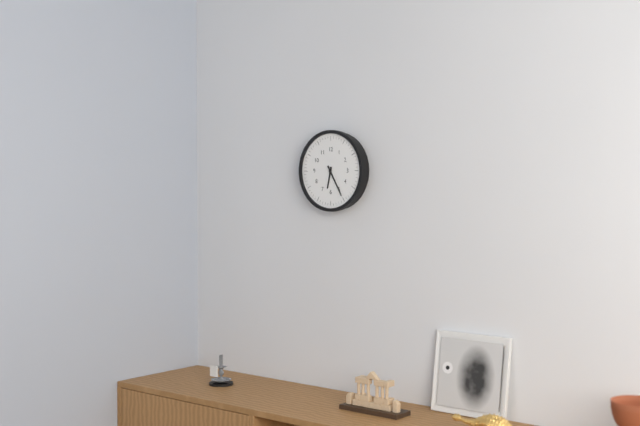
h=6 m=25
